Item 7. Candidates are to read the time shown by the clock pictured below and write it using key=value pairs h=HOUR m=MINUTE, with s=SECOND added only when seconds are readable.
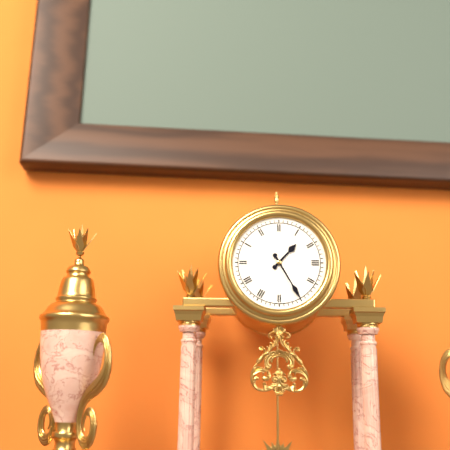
h=1 m=25
